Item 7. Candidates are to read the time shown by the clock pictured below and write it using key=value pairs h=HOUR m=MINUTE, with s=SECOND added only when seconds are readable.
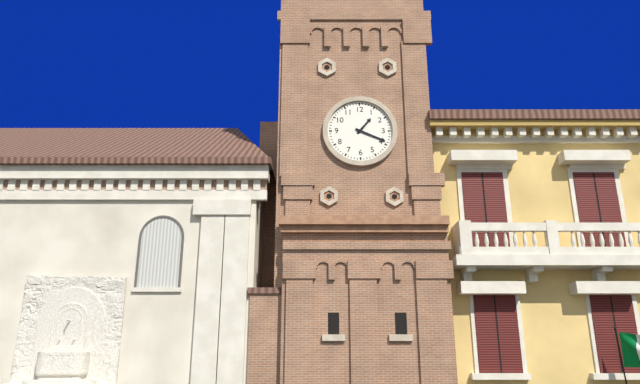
h=1 m=19
